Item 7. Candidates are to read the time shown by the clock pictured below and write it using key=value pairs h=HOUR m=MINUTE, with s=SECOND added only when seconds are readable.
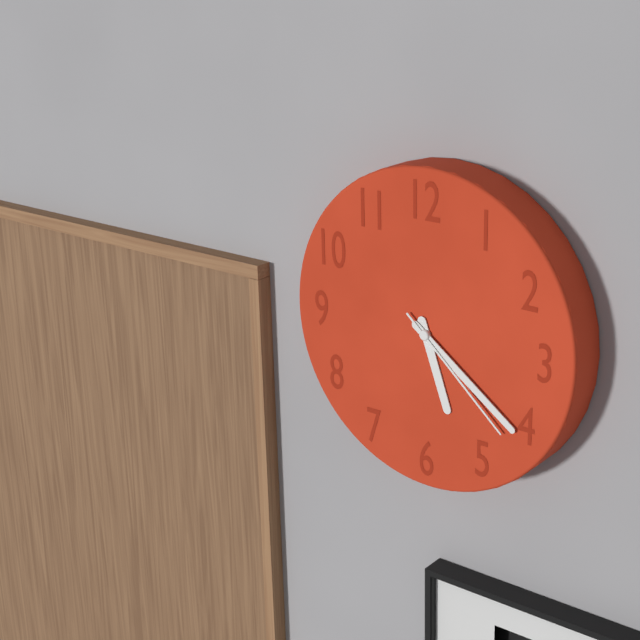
h=5 m=21 s=22
